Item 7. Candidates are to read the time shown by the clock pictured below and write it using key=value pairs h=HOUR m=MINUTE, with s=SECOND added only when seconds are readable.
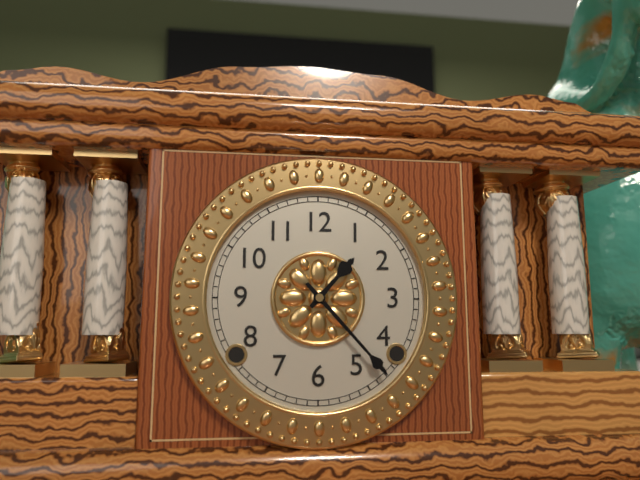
h=1 m=23
